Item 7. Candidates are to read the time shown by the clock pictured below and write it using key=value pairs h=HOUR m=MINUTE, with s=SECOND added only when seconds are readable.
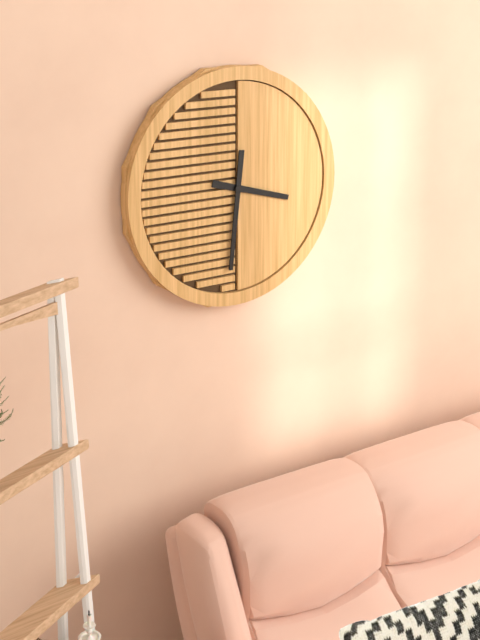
h=3 m=31
